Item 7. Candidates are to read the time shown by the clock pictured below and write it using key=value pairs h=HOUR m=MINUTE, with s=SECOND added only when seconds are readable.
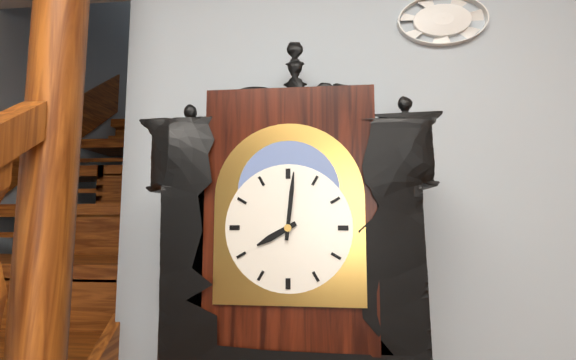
h=8 m=1
